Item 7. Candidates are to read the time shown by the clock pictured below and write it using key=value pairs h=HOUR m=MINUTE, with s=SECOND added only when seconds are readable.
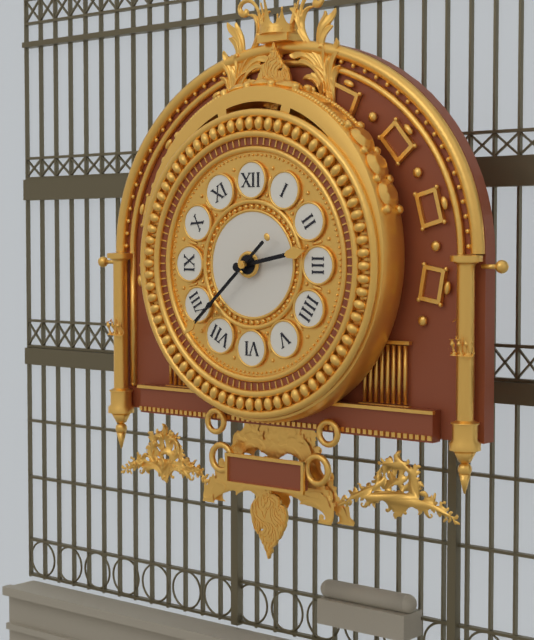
h=2 m=38
